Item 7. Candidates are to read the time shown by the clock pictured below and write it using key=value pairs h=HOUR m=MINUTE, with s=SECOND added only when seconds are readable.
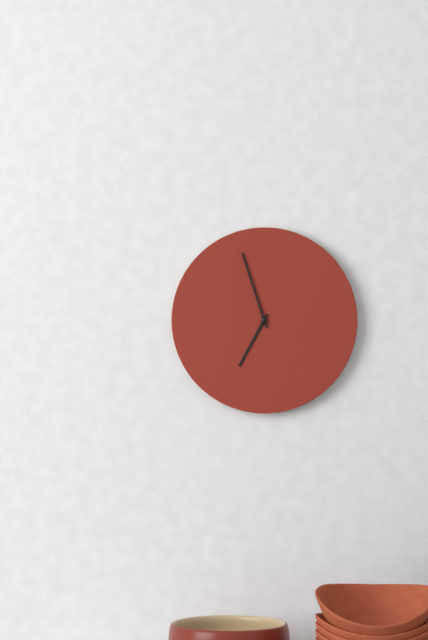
h=6 m=57
